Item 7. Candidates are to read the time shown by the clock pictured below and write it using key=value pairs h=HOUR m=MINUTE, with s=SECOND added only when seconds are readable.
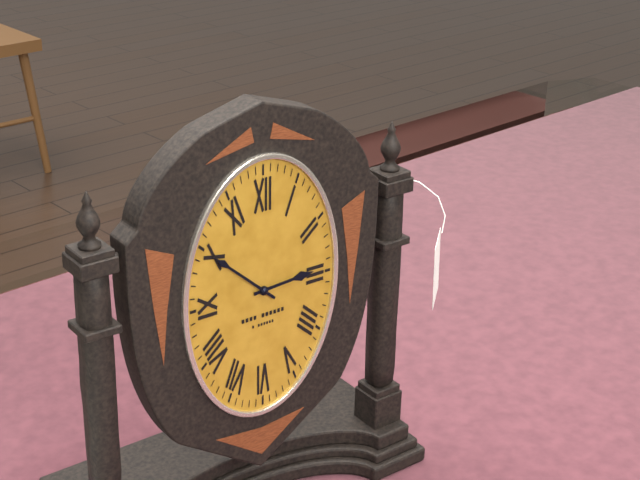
h=2 m=52
